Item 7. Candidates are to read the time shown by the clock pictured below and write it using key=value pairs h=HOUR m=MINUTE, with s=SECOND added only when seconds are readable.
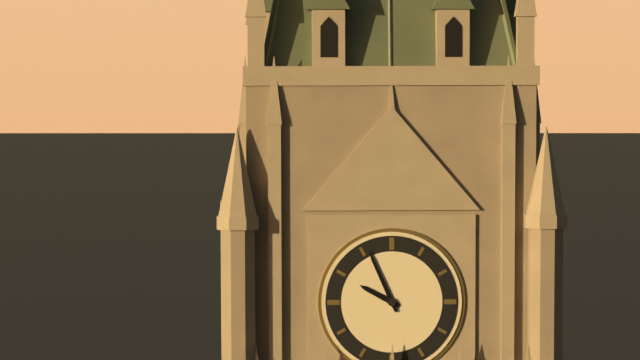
h=9 m=56
